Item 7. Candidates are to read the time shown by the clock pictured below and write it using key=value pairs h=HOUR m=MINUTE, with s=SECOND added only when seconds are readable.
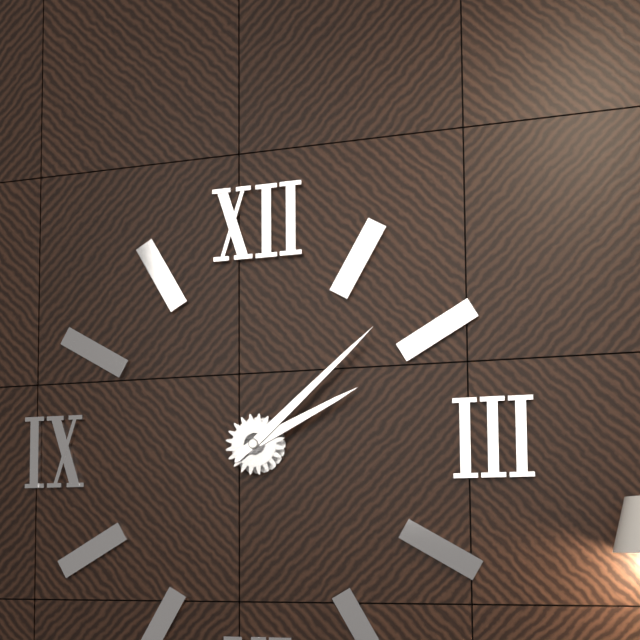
h=2 m=8
